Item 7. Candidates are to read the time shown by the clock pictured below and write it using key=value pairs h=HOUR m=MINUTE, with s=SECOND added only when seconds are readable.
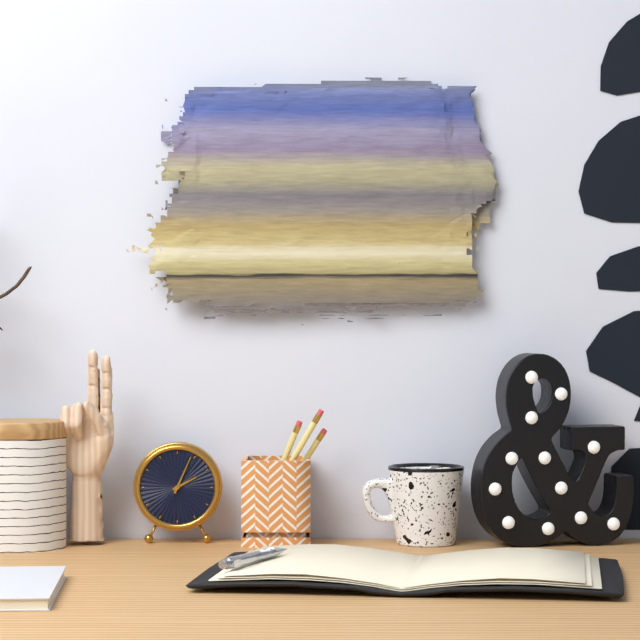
h=2 m=4
